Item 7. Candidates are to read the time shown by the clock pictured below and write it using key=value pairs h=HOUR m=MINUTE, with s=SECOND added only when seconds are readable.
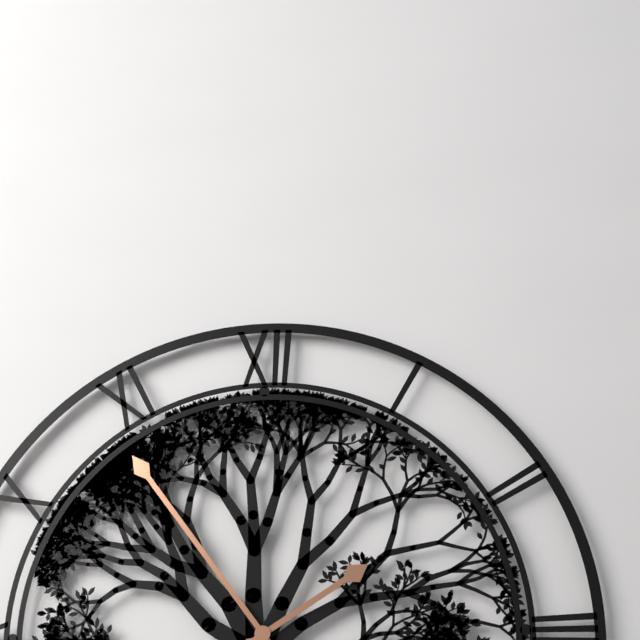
h=1 m=54
